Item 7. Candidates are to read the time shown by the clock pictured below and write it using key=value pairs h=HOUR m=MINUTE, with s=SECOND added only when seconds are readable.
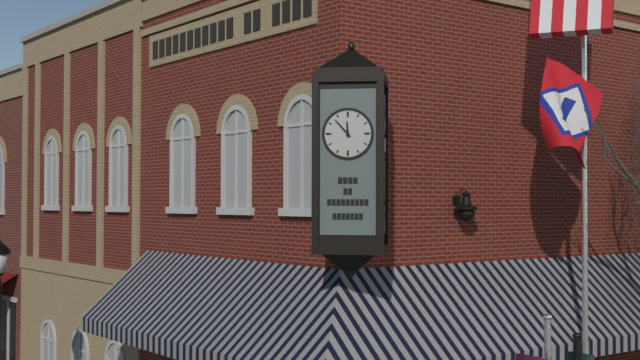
h=11 m=53
